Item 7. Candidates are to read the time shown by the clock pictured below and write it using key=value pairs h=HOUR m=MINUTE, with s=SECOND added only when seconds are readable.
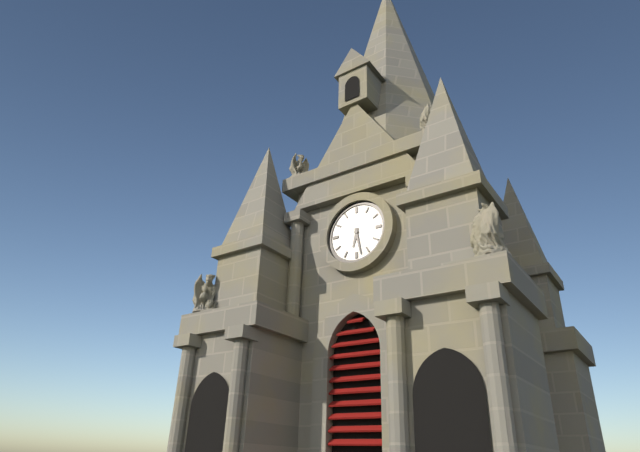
h=6 m=28
